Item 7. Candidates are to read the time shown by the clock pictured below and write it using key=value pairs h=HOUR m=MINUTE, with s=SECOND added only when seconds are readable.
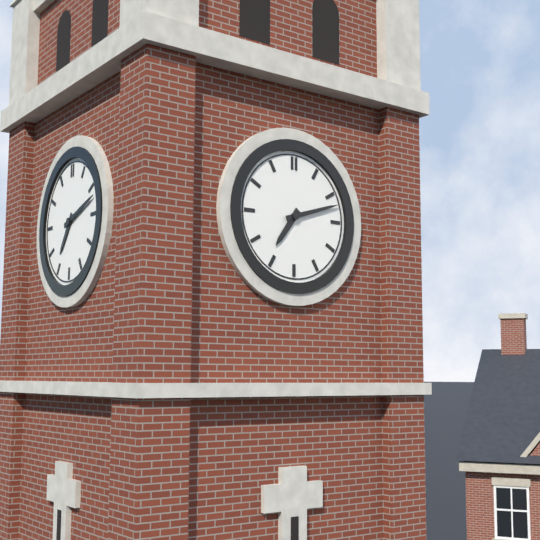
h=7 m=12
